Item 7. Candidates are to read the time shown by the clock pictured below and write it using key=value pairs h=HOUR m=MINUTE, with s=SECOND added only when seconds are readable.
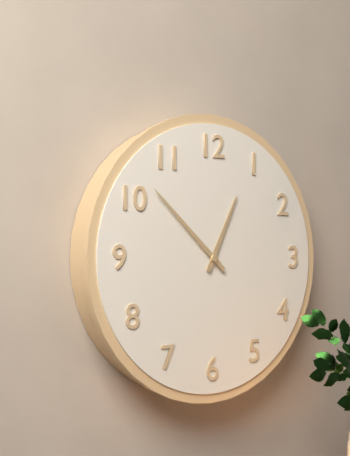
h=12 m=52
